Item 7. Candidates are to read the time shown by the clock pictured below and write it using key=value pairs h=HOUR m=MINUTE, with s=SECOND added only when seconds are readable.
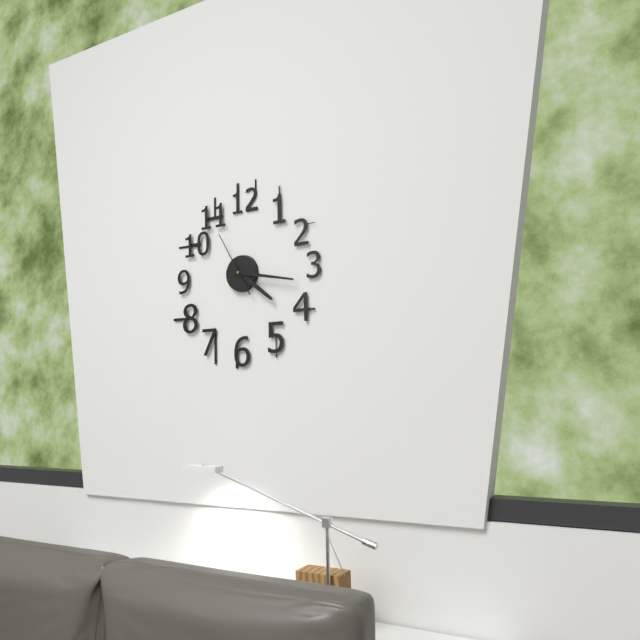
h=4 m=17 s=55
